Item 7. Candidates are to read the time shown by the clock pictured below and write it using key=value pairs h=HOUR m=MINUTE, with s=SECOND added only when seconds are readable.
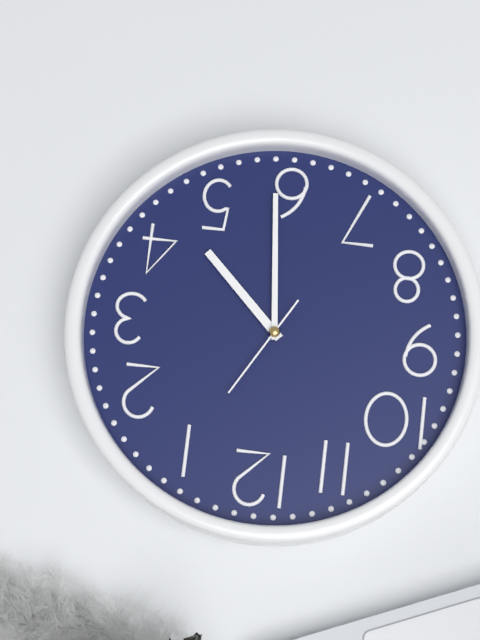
h=4 m=29 s=5
